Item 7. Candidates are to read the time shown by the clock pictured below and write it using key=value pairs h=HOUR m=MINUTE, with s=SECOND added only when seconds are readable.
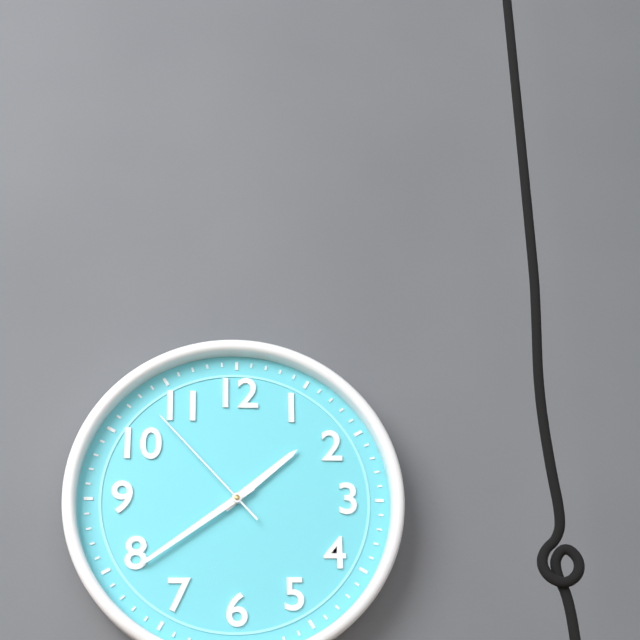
h=1 m=39 s=53
